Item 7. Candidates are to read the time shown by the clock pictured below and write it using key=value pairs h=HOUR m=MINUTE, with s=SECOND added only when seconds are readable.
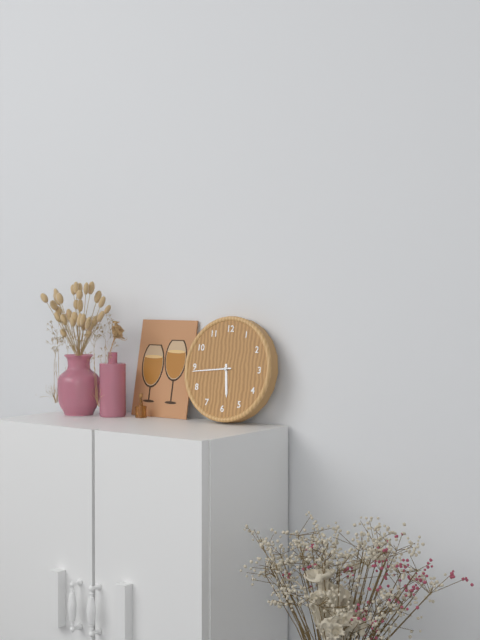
h=5 m=44
